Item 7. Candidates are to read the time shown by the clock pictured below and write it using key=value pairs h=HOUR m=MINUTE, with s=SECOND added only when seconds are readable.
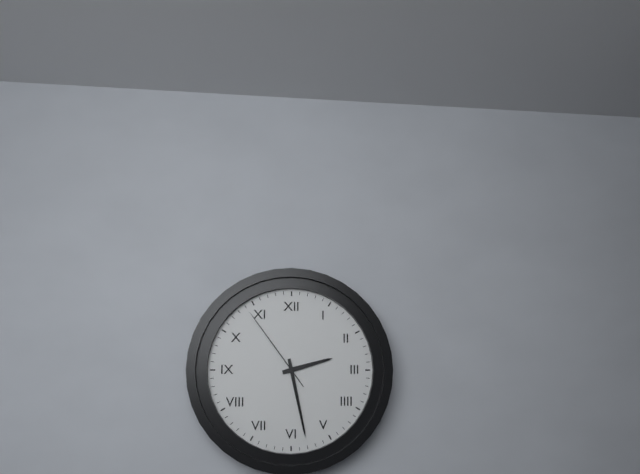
h=2 m=28 s=54
